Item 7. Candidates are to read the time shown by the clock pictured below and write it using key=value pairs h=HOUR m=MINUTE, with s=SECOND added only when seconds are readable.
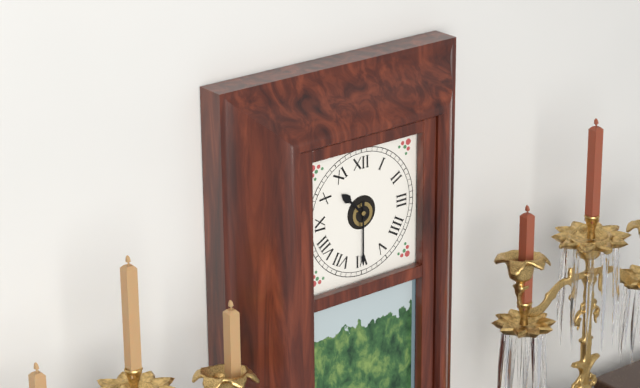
h=10 m=30
